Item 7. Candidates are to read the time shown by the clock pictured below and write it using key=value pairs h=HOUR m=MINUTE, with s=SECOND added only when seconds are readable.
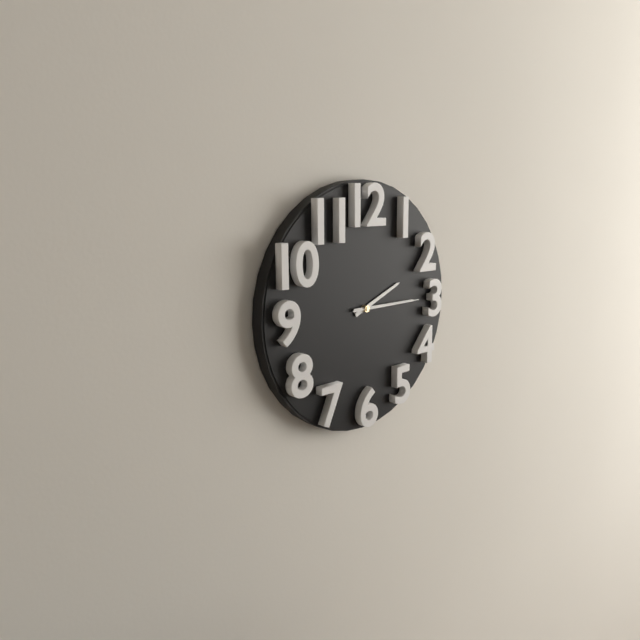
h=2 m=15 s=15
